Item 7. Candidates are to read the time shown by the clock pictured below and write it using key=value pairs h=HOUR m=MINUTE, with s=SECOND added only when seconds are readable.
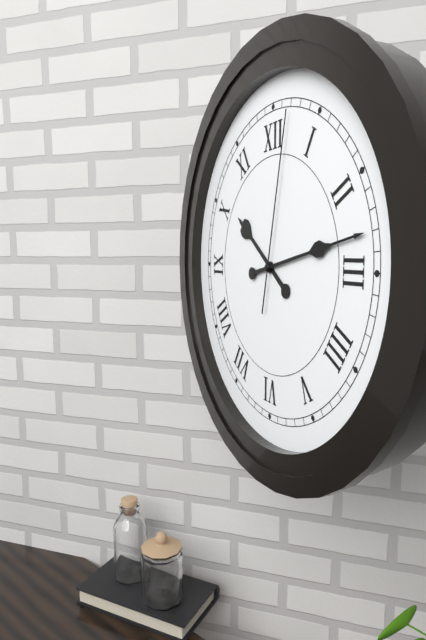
h=10 m=13 s=2
